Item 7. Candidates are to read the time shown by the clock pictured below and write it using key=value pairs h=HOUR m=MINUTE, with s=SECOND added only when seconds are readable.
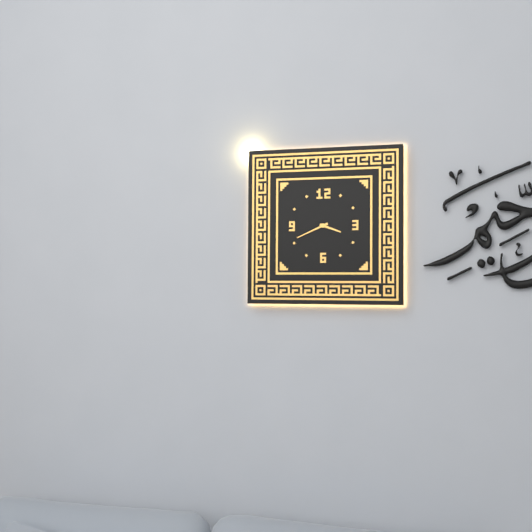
h=3 m=41
